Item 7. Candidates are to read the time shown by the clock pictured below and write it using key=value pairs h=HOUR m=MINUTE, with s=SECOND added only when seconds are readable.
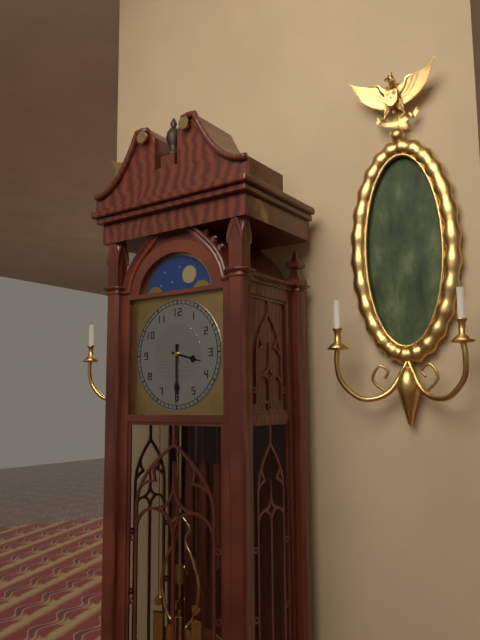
h=3 m=30
